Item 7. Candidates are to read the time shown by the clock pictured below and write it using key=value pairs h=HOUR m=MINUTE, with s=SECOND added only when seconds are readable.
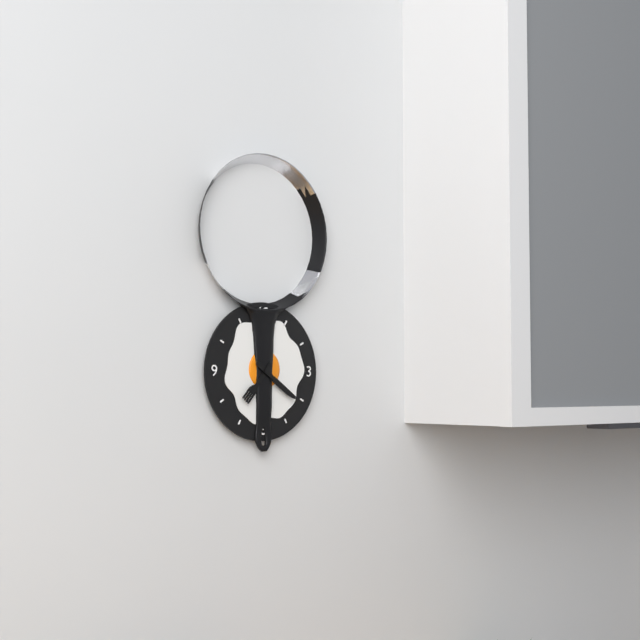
h=7 m=21
